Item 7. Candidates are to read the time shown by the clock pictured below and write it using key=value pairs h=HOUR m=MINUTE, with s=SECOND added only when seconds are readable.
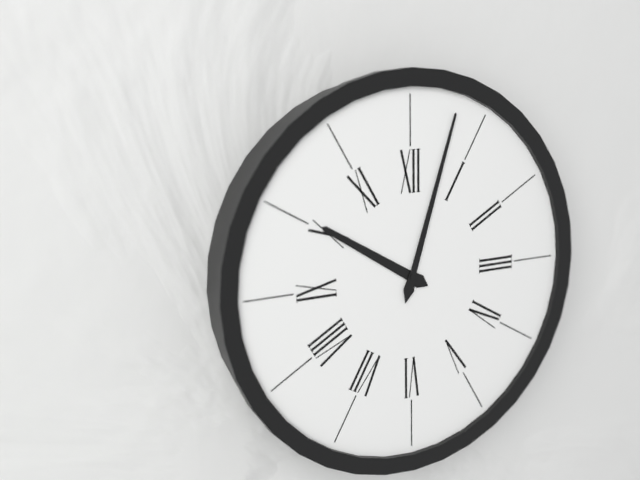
h=10 m=3
